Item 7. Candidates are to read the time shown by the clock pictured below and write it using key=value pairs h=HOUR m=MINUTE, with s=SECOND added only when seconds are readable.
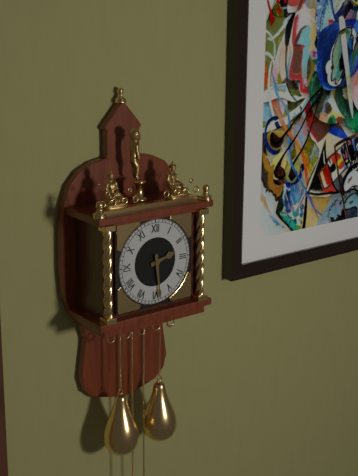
h=2 m=29
